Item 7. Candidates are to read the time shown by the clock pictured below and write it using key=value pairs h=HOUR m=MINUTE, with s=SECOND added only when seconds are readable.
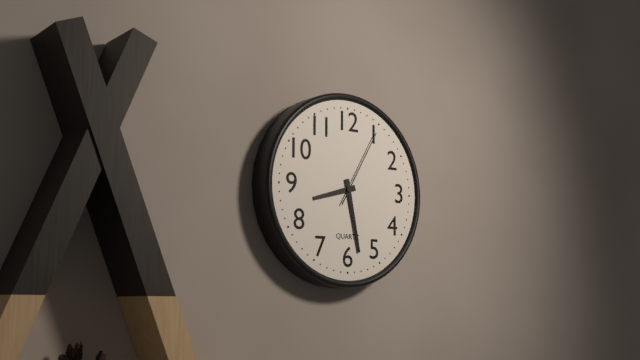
h=8 m=28 s=5
